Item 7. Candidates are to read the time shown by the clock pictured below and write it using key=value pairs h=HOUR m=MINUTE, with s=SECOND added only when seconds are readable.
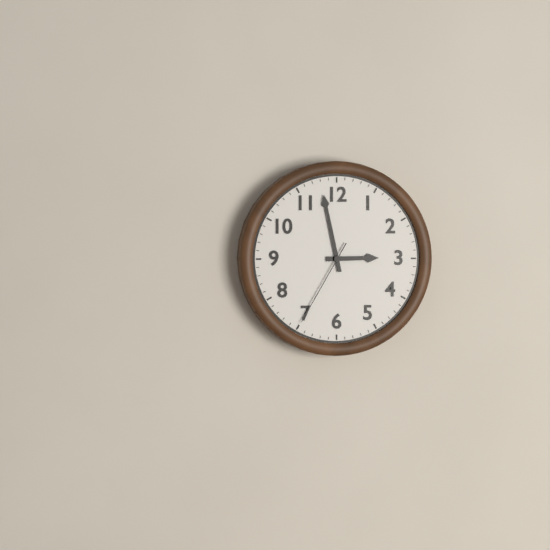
h=2 m=58 s=35
